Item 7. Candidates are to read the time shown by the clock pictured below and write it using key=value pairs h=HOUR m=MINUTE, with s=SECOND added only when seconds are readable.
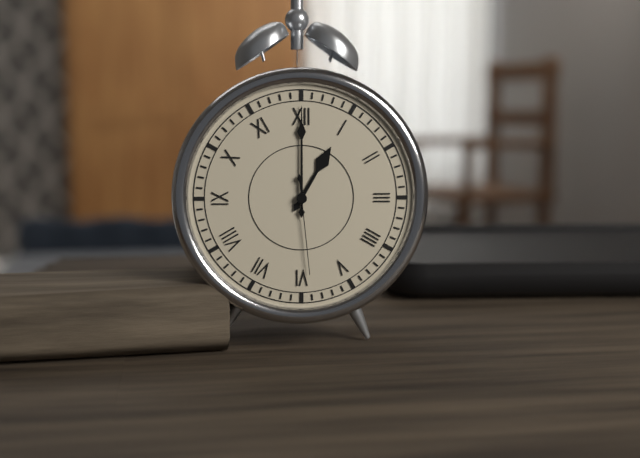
h=1 m=0 s=29
